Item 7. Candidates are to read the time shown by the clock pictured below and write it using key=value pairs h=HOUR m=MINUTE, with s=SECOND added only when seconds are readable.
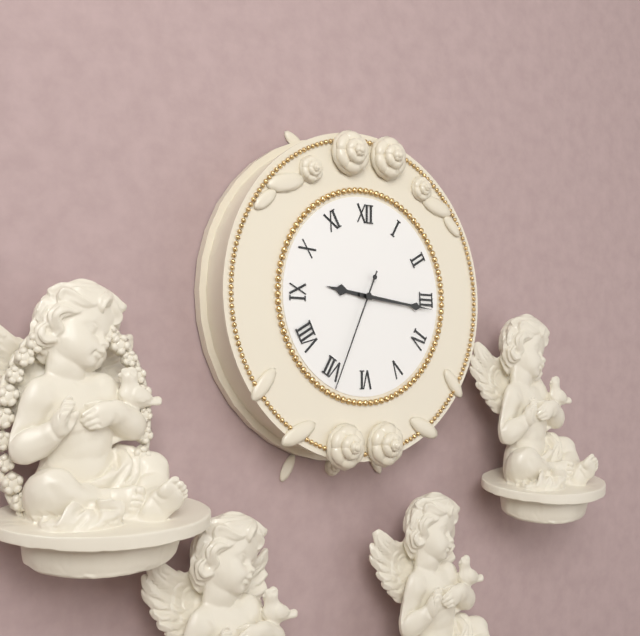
h=9 m=16 s=34
